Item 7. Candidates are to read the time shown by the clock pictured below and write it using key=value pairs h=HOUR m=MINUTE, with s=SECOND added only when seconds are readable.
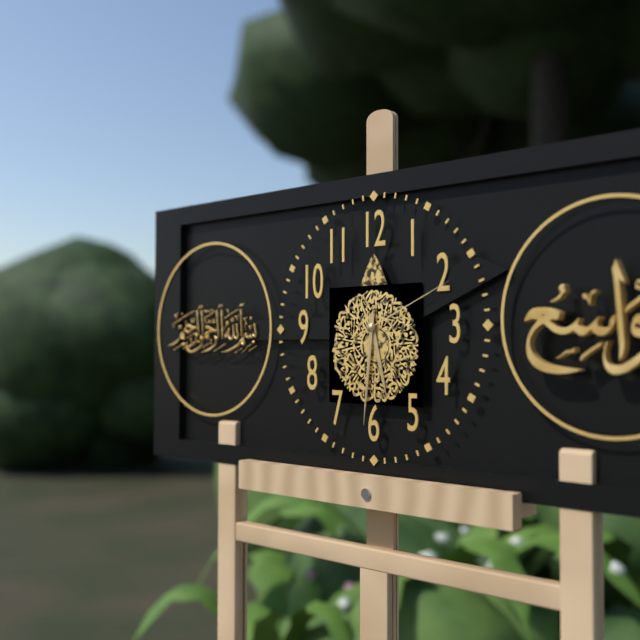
h=5 m=31 s=11
